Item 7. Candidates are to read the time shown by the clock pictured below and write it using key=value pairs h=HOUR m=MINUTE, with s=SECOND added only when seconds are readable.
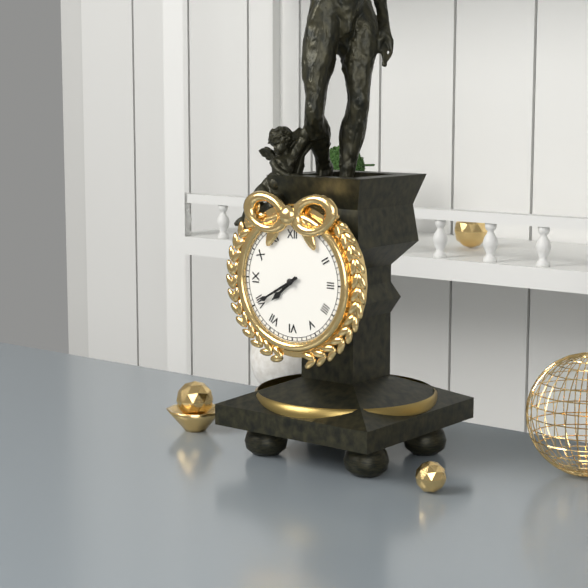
h=7 m=40
